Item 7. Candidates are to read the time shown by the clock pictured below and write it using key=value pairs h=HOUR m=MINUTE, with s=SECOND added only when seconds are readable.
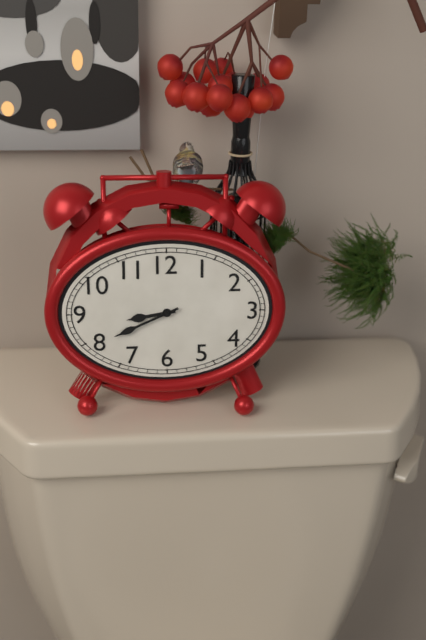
h=8 m=41
